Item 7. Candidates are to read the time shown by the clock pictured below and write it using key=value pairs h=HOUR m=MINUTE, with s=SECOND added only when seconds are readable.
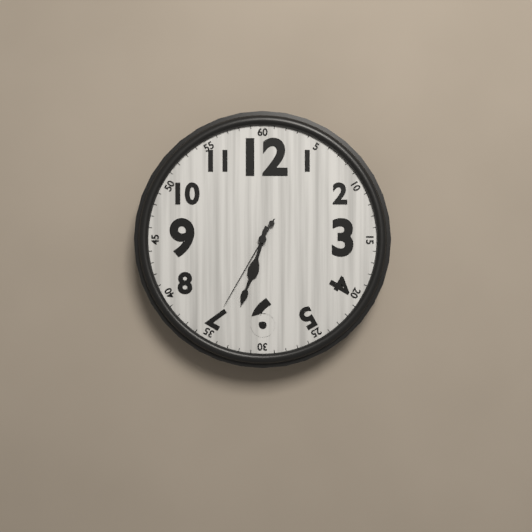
h=6 m=33 s=35
